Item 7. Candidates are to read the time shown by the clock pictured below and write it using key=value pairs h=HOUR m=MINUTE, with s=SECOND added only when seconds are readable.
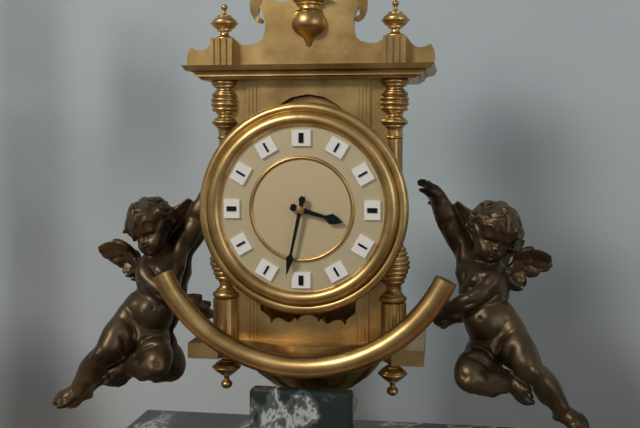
h=3 m=32
